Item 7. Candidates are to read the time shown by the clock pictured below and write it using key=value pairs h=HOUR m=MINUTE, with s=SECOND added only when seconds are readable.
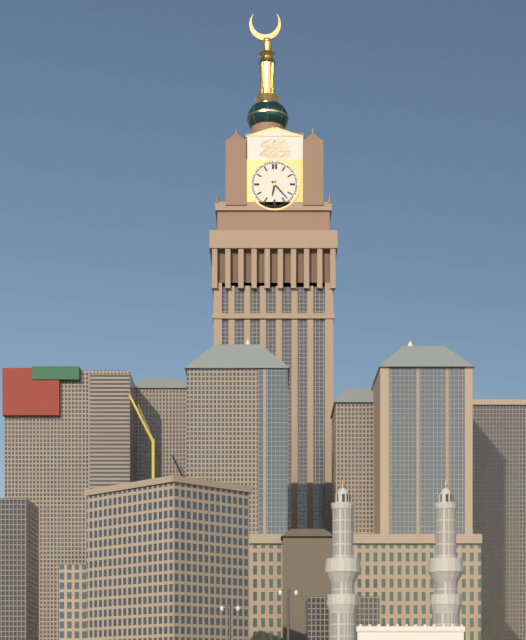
h=6 m=23
